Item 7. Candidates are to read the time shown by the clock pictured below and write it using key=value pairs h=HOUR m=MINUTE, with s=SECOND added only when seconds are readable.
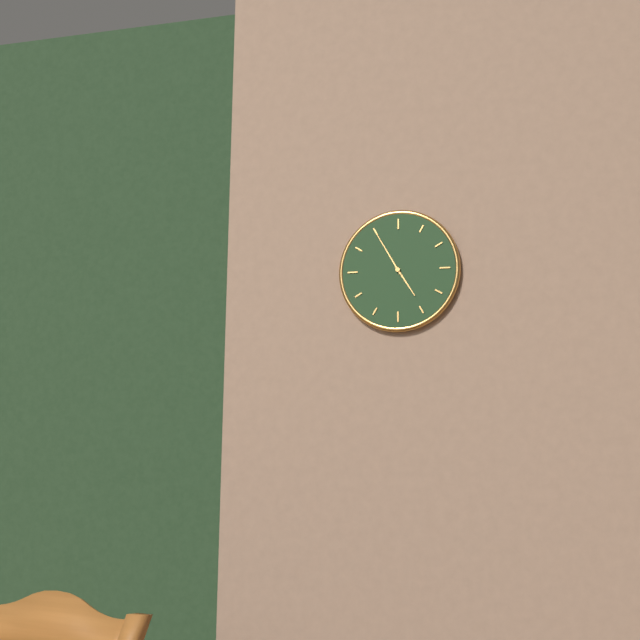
h=4 m=55
